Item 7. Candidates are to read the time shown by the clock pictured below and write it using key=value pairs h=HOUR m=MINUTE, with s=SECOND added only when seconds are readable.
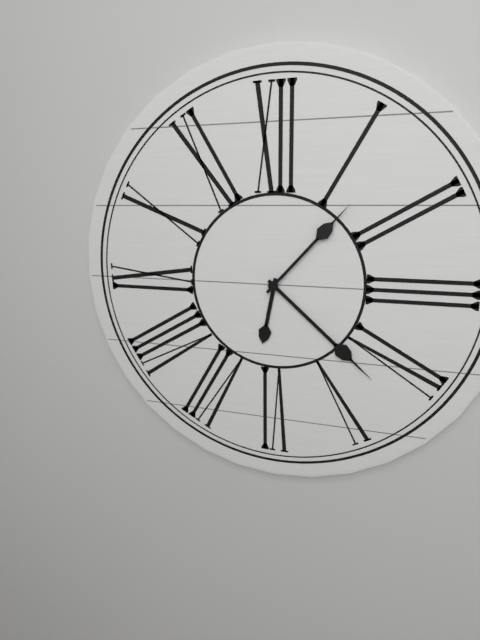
h=6 m=22 s=7
